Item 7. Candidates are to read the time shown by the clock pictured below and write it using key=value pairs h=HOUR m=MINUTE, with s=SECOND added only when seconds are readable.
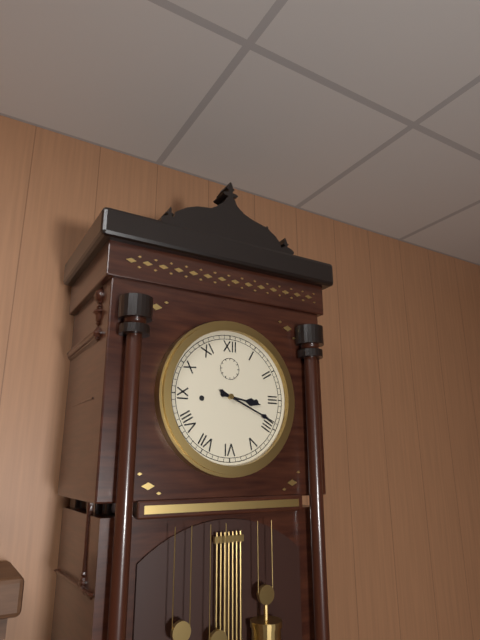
h=3 m=19
